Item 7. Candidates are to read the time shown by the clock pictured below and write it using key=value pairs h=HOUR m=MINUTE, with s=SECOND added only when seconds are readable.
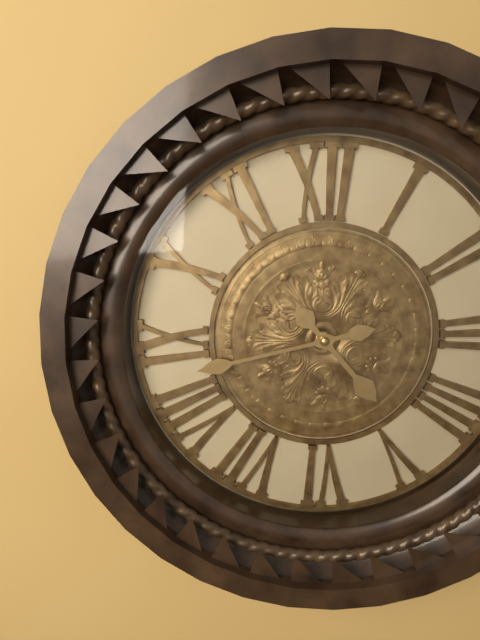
h=4 m=43
